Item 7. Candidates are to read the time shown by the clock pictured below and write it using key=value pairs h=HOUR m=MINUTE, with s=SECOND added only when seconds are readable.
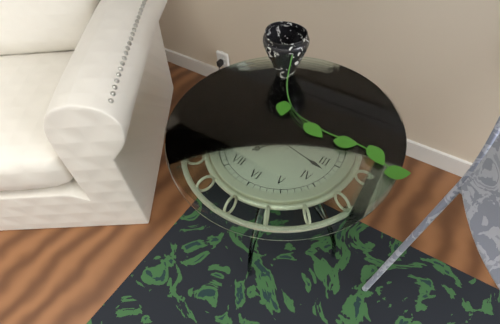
h=7 m=17
